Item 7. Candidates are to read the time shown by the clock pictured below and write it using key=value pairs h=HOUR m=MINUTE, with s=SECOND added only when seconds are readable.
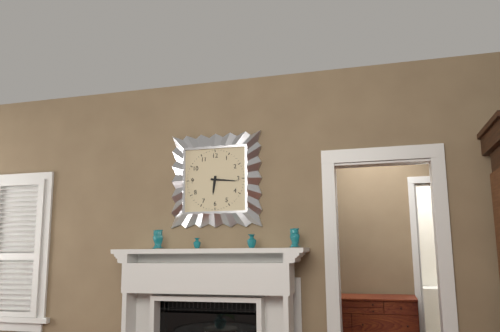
h=6 m=16
